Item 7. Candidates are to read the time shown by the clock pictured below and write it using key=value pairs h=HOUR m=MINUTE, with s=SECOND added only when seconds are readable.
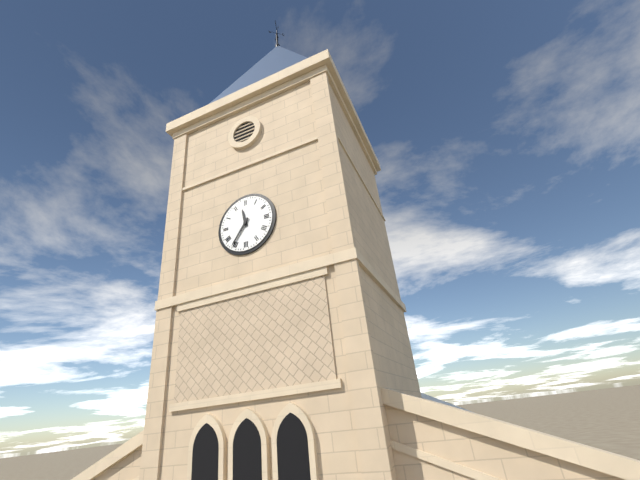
h=11 m=36
